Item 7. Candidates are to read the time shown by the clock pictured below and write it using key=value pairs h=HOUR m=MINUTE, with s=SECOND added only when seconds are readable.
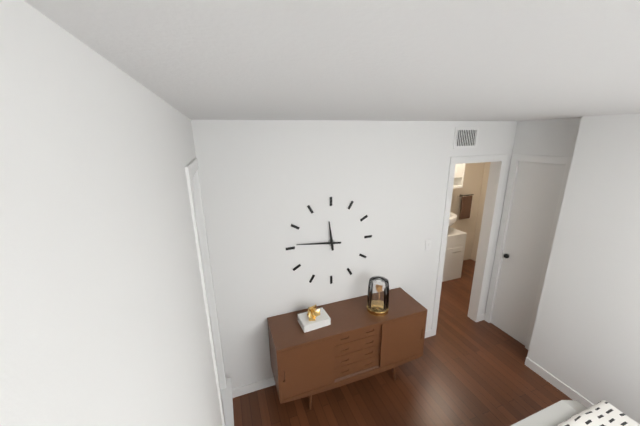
h=11 m=46
